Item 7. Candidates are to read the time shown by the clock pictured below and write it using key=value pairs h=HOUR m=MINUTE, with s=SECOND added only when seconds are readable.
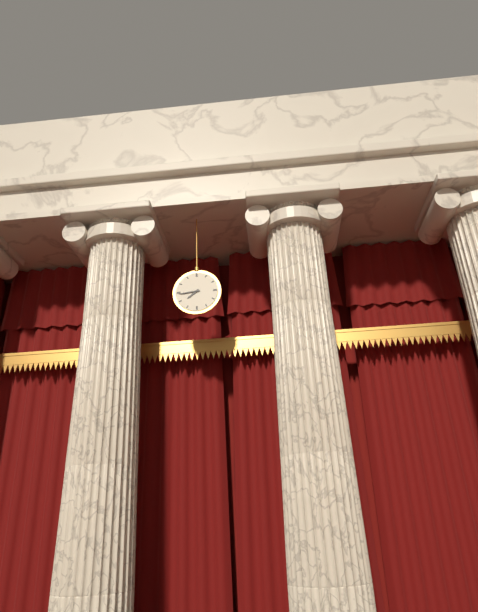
h=7 m=44
